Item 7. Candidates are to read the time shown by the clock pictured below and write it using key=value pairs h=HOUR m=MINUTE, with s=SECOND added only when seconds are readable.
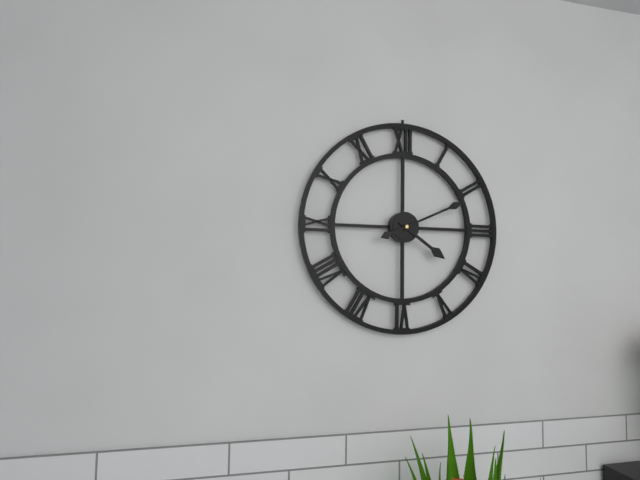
h=4 m=11
